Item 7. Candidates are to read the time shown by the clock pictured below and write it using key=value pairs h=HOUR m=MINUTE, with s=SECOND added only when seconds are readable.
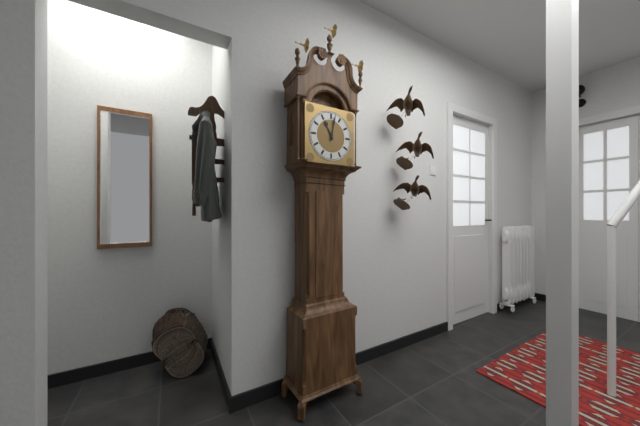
h=11 m=2
